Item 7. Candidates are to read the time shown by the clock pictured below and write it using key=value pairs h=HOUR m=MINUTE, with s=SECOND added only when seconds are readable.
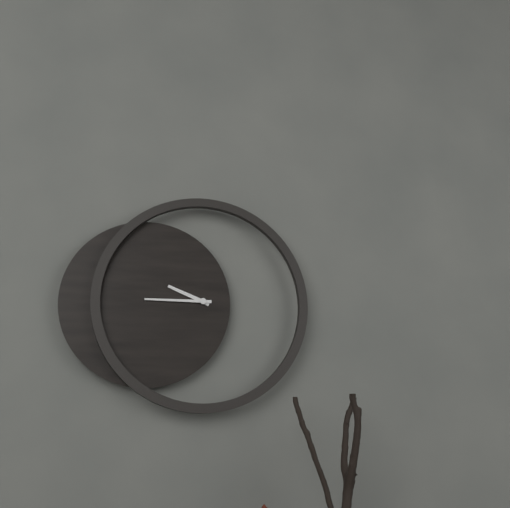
h=9 m=45
